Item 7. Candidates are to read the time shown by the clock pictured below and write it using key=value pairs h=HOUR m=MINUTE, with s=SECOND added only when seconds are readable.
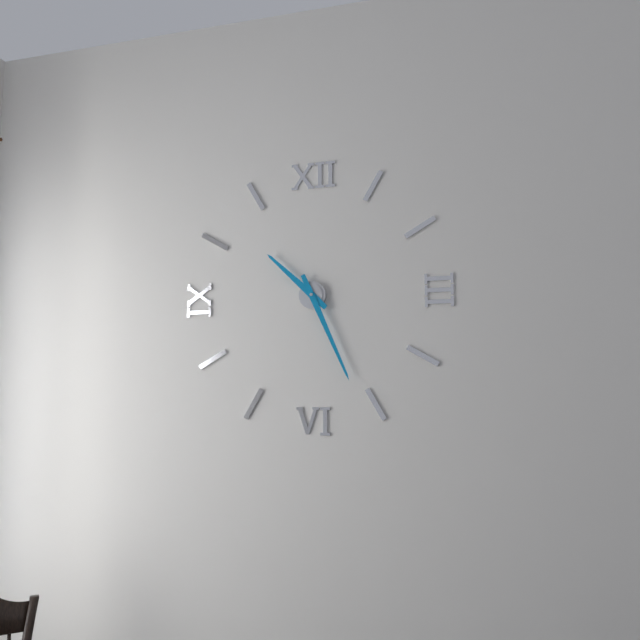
h=10 m=26
